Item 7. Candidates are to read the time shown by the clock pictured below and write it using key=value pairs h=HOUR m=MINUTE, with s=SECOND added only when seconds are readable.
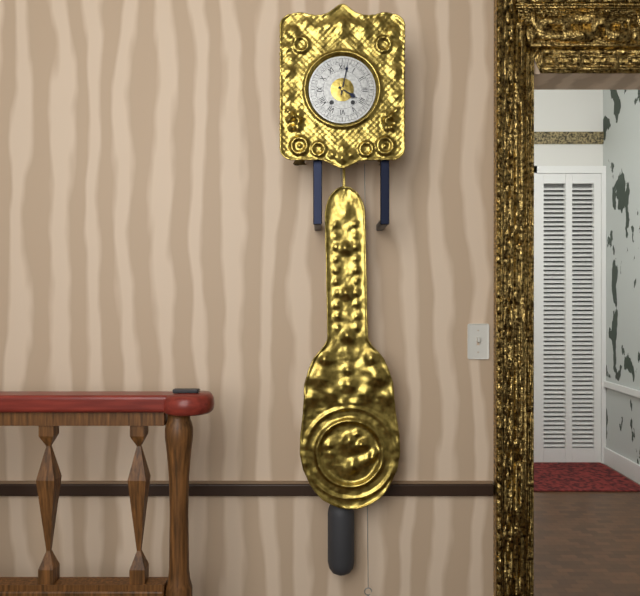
h=4 m=2
